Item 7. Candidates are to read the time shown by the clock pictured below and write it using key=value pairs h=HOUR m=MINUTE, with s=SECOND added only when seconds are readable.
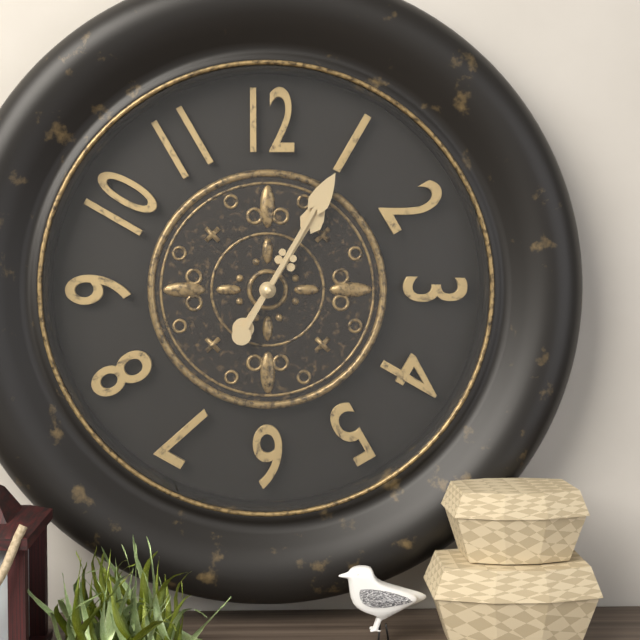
h=1 m=5
